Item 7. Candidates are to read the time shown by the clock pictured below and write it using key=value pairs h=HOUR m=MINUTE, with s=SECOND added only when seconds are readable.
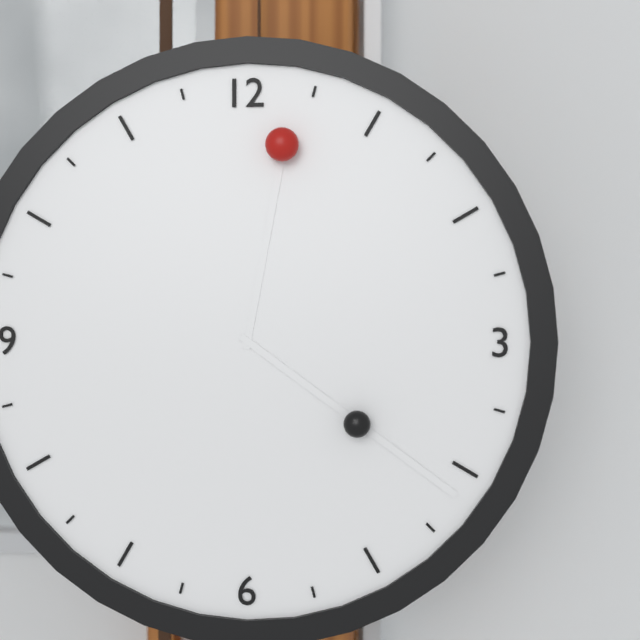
h=12 m=21
